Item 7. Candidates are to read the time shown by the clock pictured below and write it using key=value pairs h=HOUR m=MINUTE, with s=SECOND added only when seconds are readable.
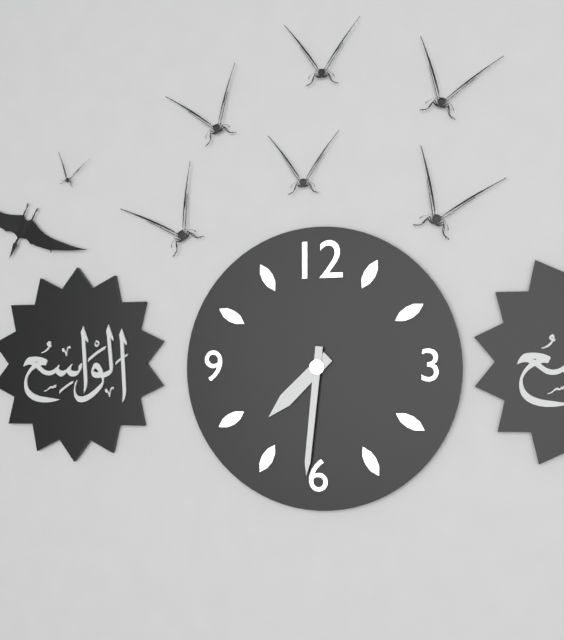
h=7 m=31
